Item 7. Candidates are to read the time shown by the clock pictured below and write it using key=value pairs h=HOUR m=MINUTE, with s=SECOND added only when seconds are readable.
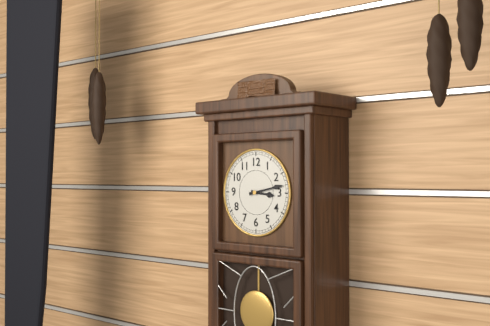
h=3 m=13
